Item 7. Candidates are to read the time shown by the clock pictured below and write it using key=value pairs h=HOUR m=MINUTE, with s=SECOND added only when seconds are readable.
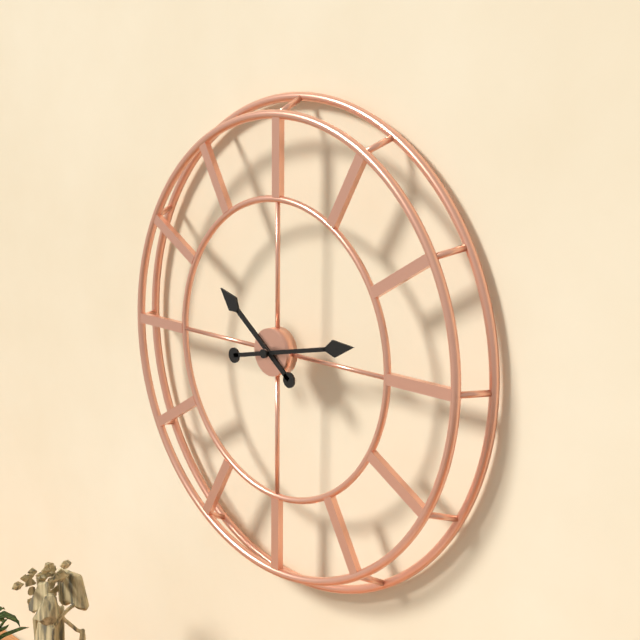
h=10 m=13
